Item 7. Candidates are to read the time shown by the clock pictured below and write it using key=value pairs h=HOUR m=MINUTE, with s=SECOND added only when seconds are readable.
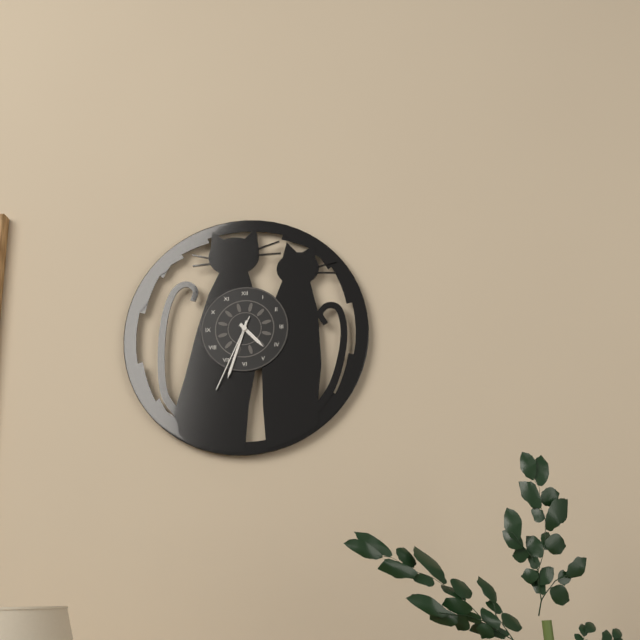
h=4 m=33 s=34
